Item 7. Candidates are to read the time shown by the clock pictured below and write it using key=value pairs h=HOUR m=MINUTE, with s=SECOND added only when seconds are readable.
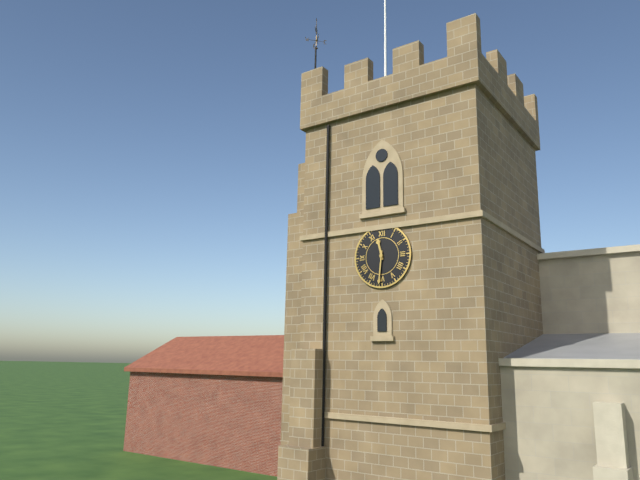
h=11 m=31
